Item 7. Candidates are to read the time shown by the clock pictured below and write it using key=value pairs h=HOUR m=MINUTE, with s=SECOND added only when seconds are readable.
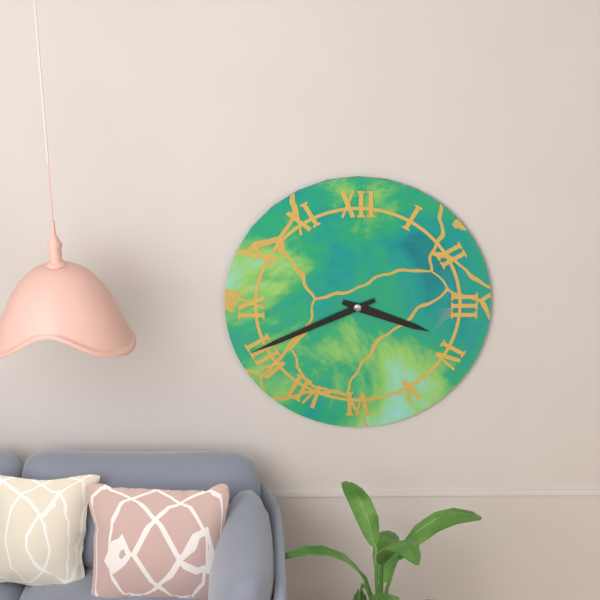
h=3 m=41
